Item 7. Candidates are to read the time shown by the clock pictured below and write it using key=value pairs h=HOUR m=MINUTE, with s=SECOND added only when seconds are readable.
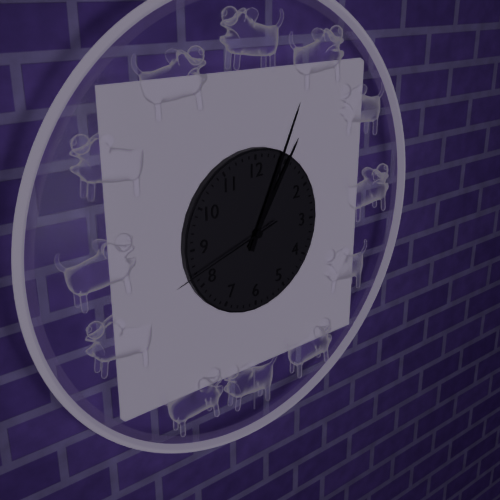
h=1 m=4 s=42
